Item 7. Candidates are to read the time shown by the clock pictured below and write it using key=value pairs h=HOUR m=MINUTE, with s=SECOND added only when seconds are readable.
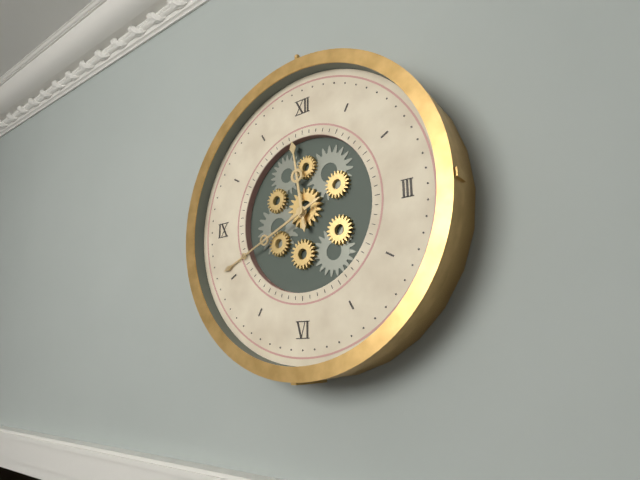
h=11 m=41
